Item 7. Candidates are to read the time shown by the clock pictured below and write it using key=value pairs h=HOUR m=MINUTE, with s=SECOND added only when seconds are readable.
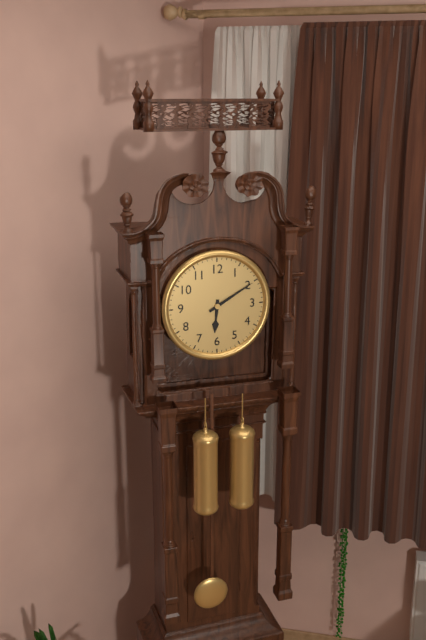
h=6 m=10
